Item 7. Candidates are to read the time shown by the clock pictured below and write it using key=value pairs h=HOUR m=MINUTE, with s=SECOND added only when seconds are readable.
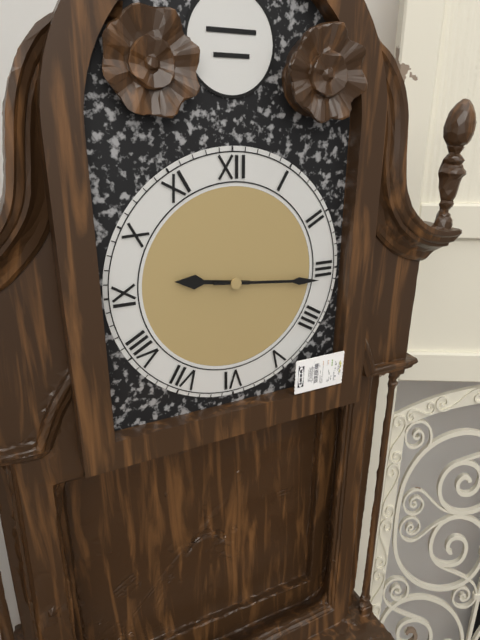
h=9 m=16
